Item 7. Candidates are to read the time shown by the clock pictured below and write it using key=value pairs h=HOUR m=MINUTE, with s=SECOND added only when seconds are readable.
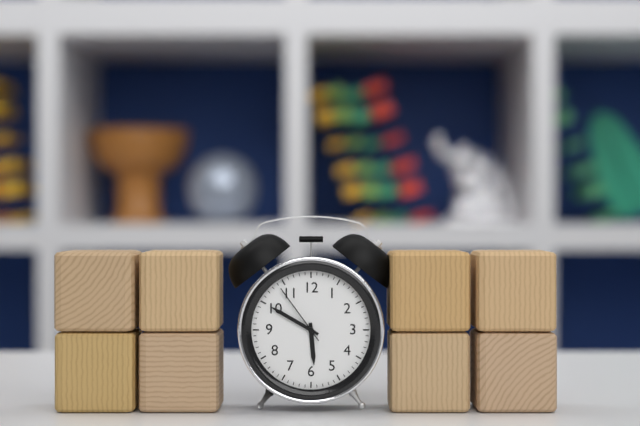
h=5 m=50 s=54
